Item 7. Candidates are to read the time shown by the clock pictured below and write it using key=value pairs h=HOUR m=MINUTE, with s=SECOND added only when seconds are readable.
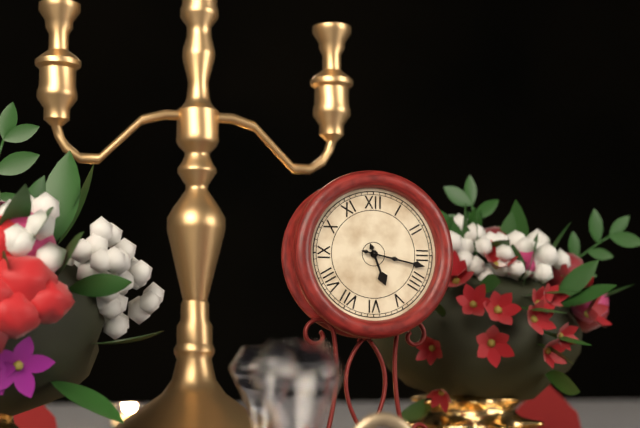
h=5 m=17
